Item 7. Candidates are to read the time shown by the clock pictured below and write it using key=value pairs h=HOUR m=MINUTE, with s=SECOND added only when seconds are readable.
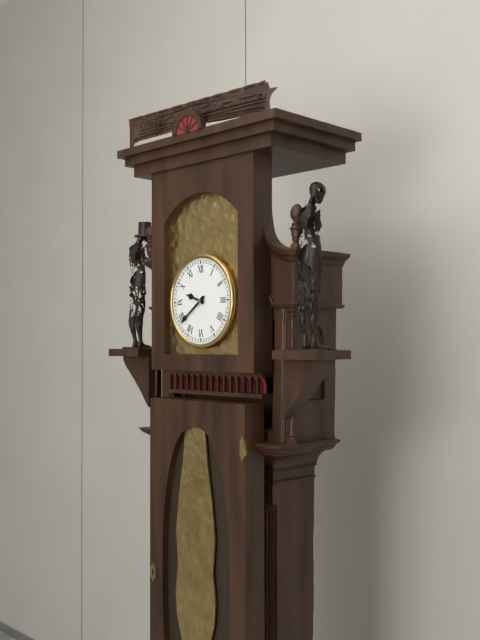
h=9 m=39
